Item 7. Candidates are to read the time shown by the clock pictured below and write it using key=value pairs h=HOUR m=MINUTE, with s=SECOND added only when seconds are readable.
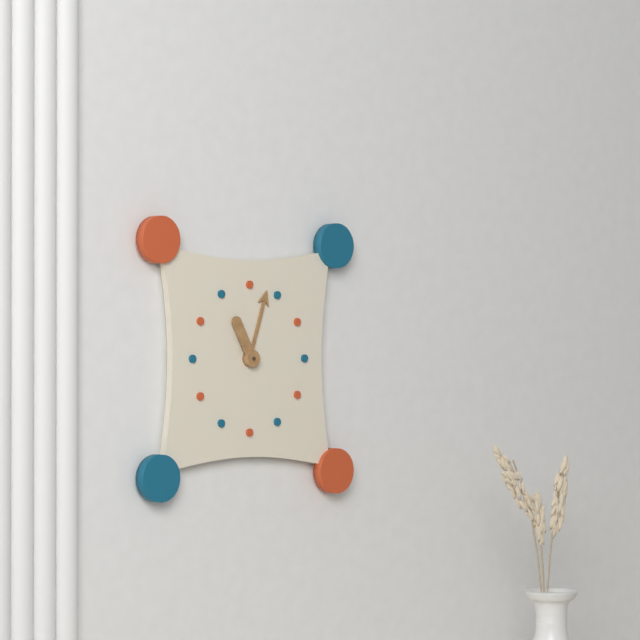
h=11 m=3
